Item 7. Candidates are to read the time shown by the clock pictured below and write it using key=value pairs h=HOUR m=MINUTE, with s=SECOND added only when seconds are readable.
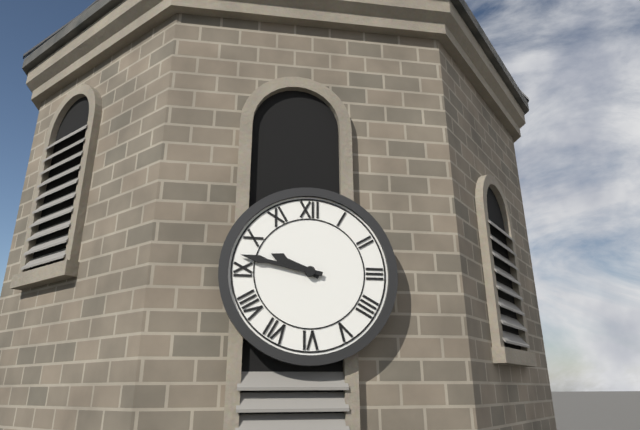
h=9 m=47
